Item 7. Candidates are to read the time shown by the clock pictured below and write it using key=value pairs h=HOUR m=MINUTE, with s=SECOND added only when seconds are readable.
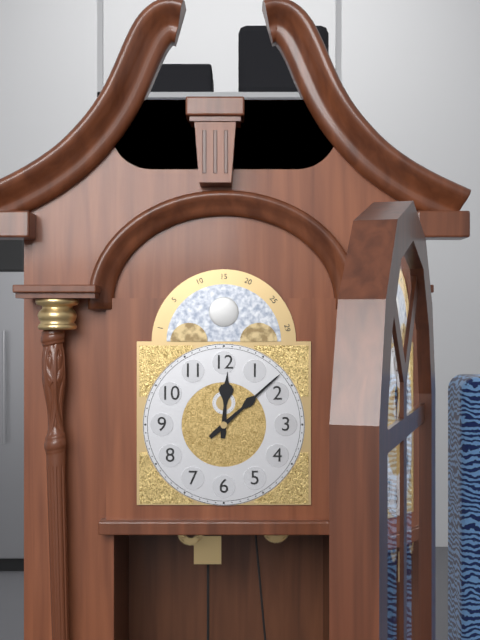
h=12 m=8
